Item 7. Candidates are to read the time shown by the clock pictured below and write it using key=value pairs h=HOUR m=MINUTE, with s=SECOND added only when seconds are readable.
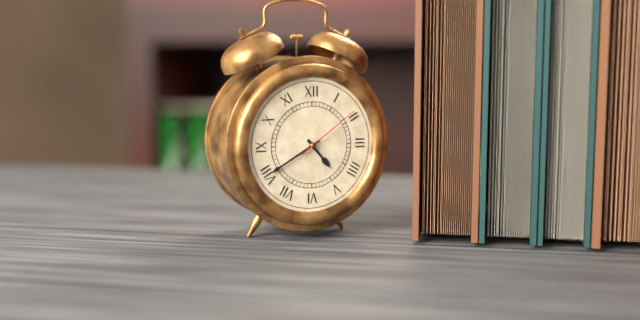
h=4 m=40 s=9
